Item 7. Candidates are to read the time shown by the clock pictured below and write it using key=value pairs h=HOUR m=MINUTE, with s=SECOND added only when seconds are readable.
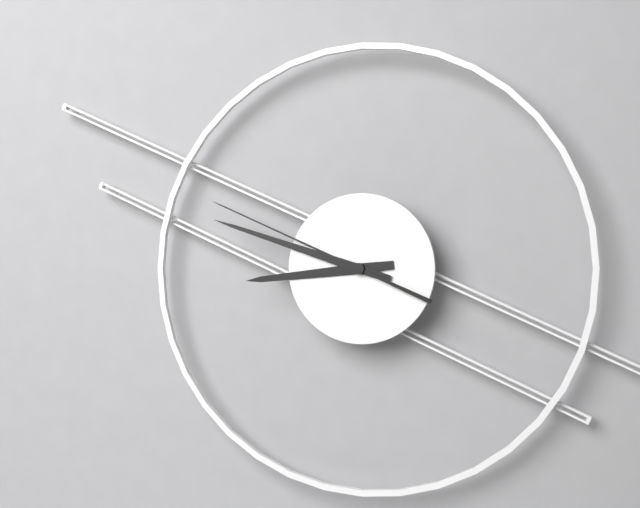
h=8 m=48 s=49
